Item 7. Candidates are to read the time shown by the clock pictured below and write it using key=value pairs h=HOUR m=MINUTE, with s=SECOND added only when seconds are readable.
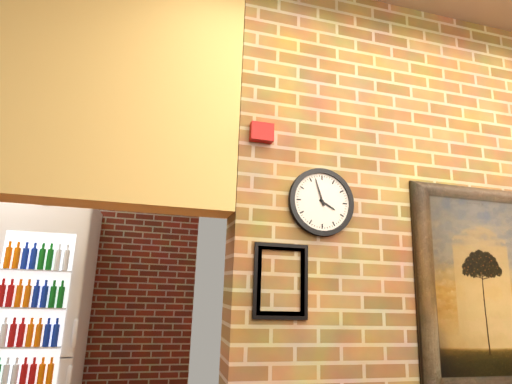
h=3 m=57
